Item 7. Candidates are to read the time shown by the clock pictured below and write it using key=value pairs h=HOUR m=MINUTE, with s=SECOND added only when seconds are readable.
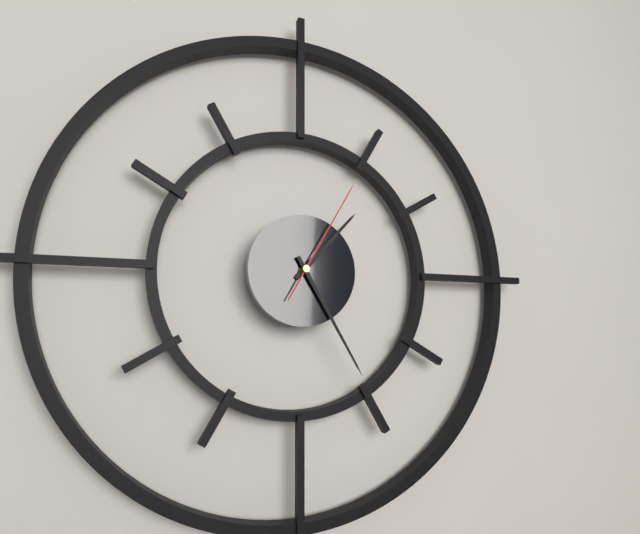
h=1 m=25 s=5
